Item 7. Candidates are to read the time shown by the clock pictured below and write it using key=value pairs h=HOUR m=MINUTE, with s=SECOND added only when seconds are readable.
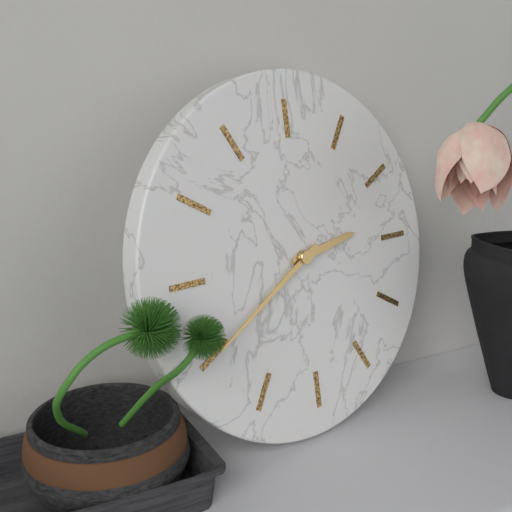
h=2 m=40
